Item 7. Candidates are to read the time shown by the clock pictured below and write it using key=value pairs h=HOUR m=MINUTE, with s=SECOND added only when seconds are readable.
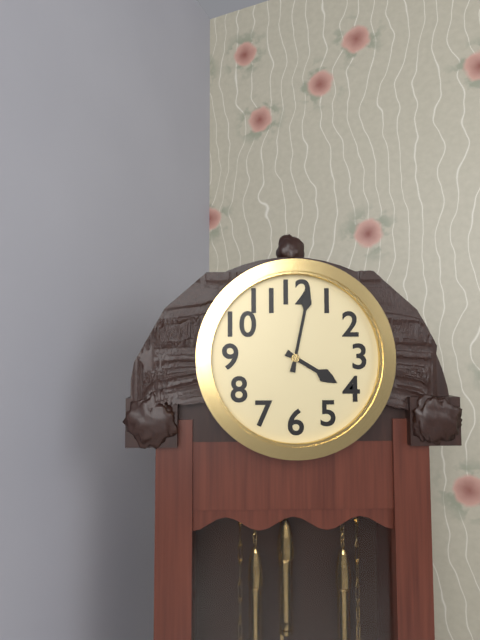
h=4 m=2
